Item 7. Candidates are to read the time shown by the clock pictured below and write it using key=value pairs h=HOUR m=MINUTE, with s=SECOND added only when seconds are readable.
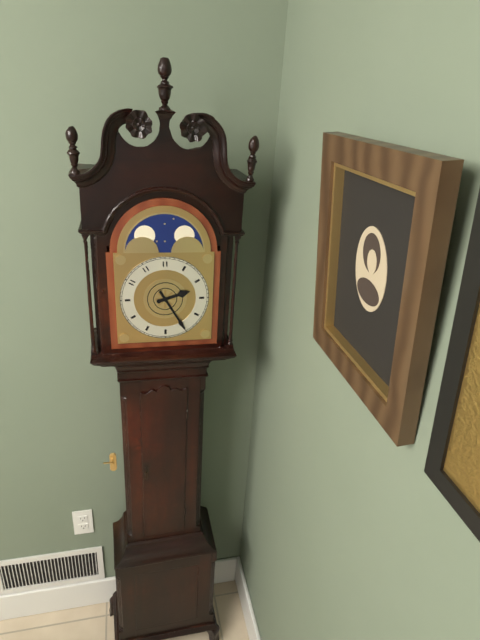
h=2 m=25
